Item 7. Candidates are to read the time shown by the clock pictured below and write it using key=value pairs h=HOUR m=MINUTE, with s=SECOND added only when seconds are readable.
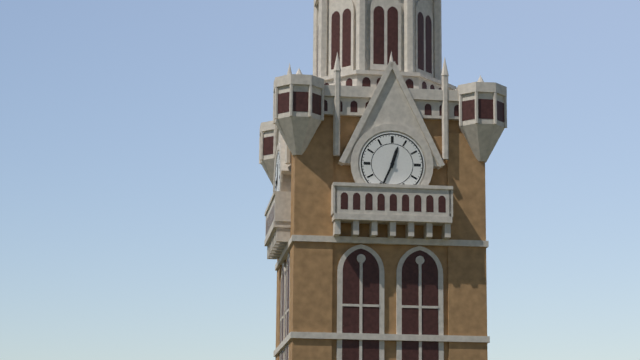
h=12 m=34
